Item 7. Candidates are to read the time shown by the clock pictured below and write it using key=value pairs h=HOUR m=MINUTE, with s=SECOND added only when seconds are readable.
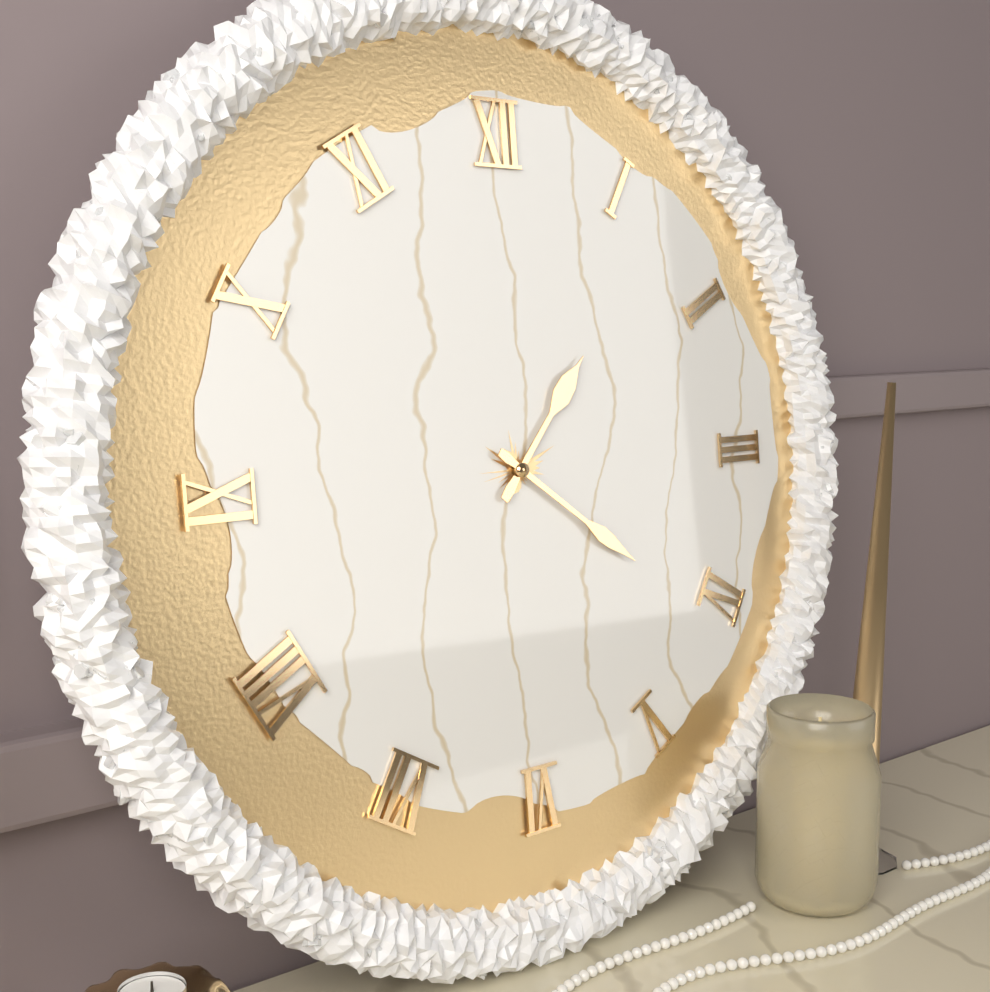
h=1 m=21
